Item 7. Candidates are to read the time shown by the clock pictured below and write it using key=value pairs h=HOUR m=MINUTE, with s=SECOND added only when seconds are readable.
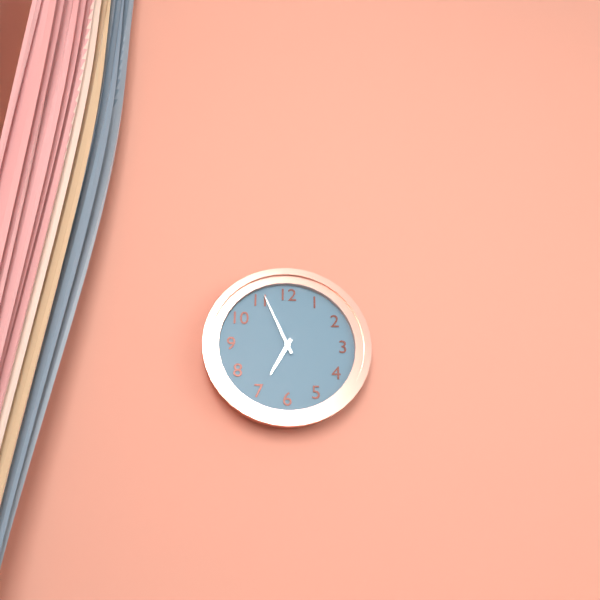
h=6 m=56
